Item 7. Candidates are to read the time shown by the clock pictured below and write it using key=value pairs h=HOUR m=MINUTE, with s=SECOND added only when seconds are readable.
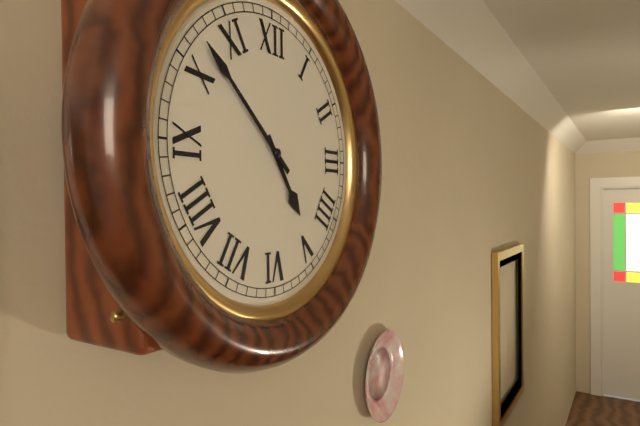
h=4 m=52
